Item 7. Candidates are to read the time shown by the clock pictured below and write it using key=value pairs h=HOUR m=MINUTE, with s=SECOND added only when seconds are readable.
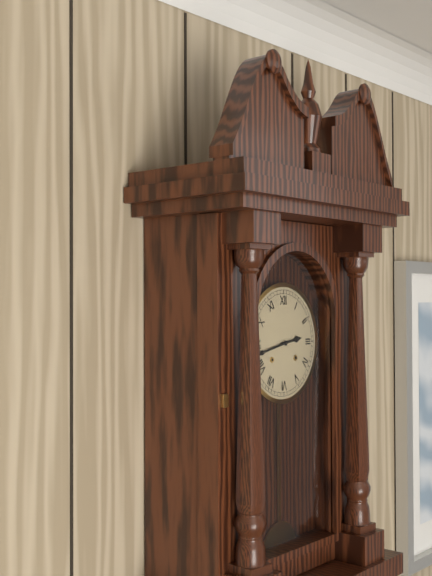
h=2 m=43
